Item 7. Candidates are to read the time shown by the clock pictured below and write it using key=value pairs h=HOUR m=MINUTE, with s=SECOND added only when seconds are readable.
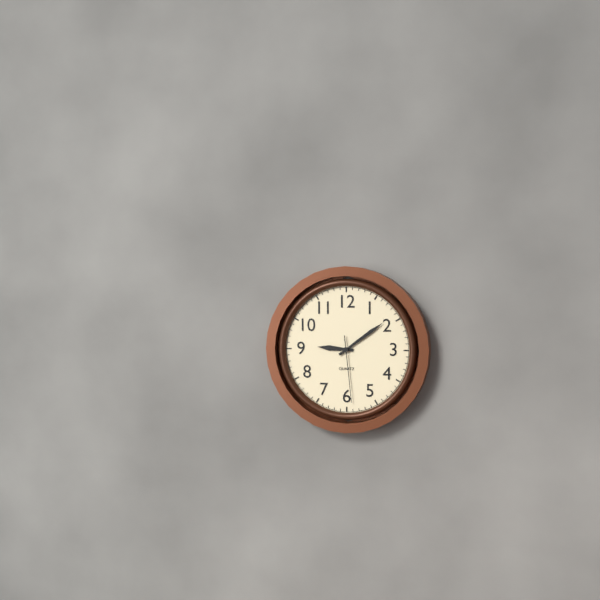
h=9 m=9 s=29
